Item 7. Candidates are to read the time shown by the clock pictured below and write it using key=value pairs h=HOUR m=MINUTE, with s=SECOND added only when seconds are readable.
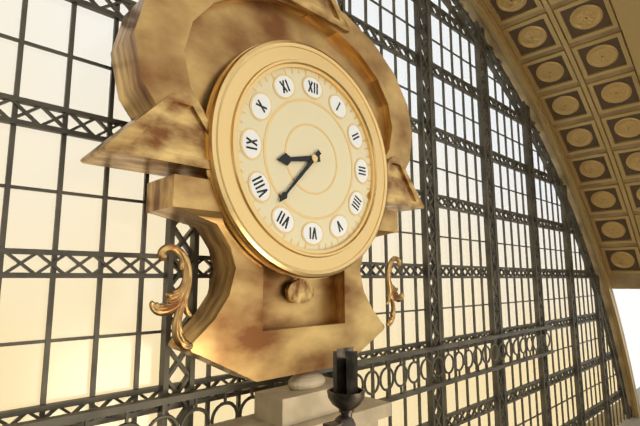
h=8 m=37
